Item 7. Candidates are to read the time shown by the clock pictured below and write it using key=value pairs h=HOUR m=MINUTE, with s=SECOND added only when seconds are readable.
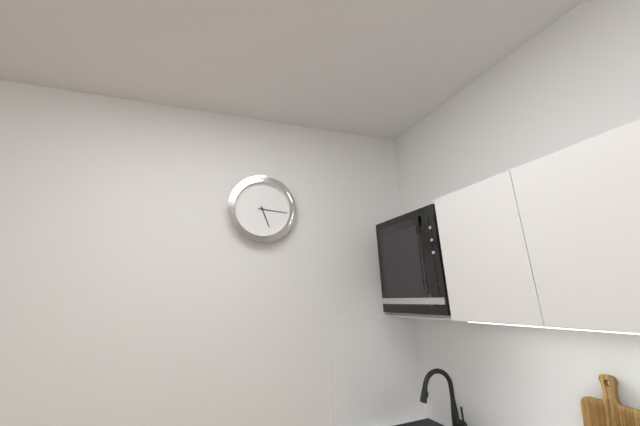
h=5 m=16
